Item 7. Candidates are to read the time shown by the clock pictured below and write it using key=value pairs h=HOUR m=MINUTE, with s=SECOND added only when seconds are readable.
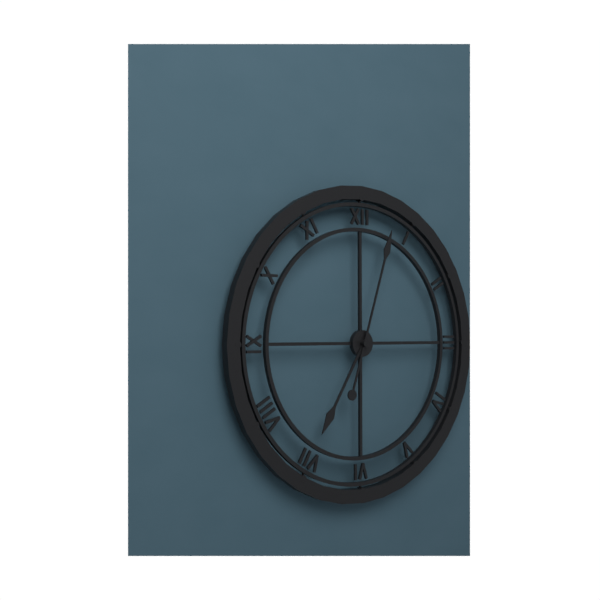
h=7 m=3
